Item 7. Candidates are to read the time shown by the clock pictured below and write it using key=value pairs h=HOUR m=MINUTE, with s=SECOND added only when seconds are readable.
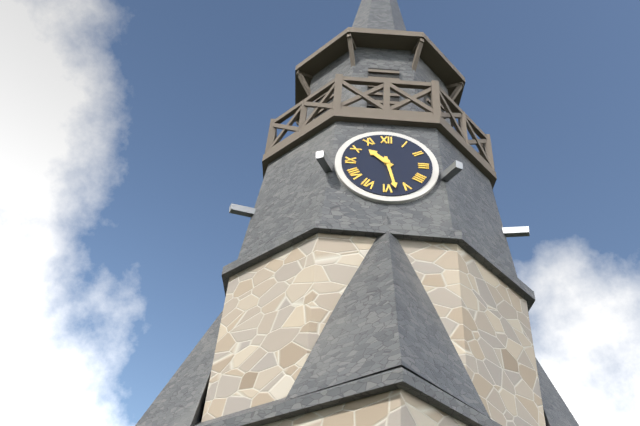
h=10 m=28
